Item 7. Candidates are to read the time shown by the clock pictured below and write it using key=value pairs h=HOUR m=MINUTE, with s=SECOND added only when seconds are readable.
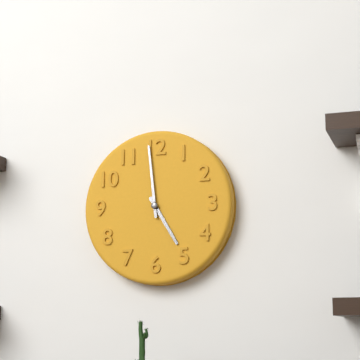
h=4 m=59
